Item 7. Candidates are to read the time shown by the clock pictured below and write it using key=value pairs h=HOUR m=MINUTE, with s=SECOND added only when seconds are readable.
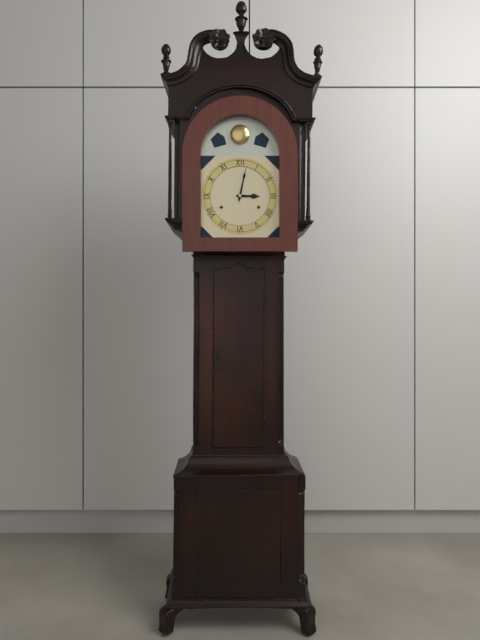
h=3 m=2
